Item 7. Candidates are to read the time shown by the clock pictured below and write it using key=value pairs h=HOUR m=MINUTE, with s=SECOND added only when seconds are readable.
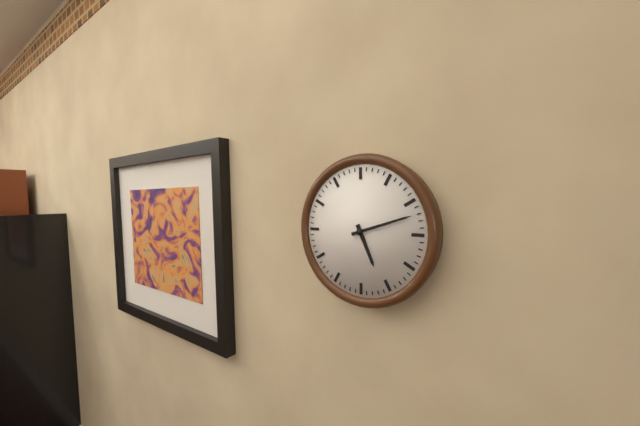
h=5 m=12
